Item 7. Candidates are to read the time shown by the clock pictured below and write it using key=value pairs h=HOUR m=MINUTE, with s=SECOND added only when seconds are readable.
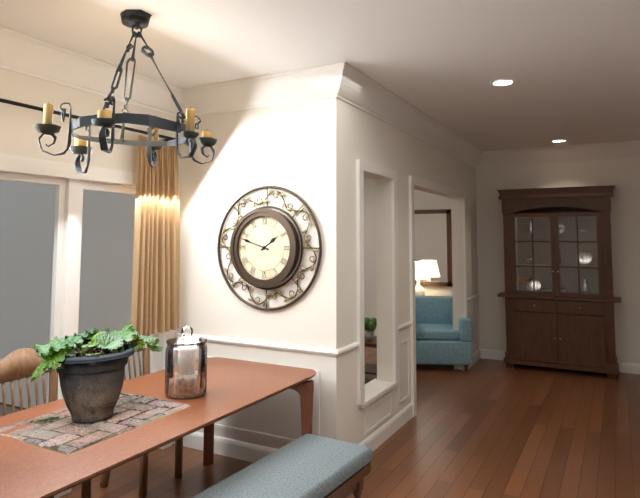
h=1 m=48
